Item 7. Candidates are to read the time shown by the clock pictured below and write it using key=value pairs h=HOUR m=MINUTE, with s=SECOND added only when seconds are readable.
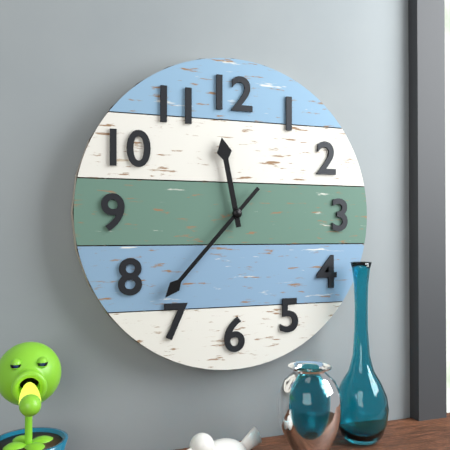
h=11 m=37
